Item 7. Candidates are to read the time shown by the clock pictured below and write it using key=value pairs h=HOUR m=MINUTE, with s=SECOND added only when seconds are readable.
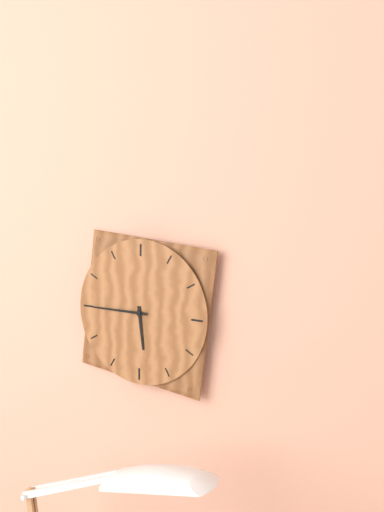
h=5 m=45
